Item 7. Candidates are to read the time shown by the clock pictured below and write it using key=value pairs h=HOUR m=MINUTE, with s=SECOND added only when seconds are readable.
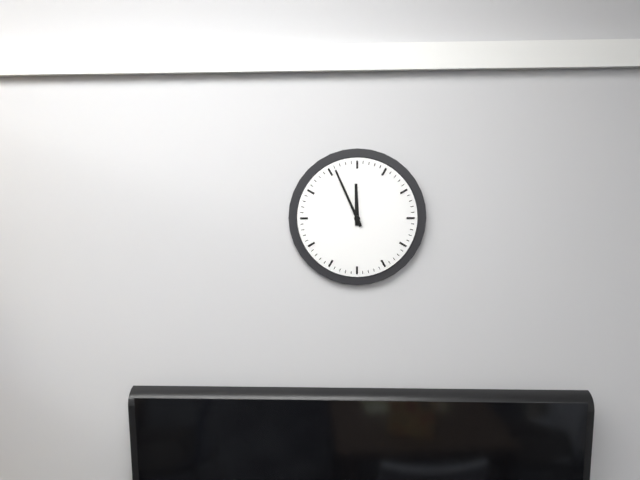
h=11 m=56
